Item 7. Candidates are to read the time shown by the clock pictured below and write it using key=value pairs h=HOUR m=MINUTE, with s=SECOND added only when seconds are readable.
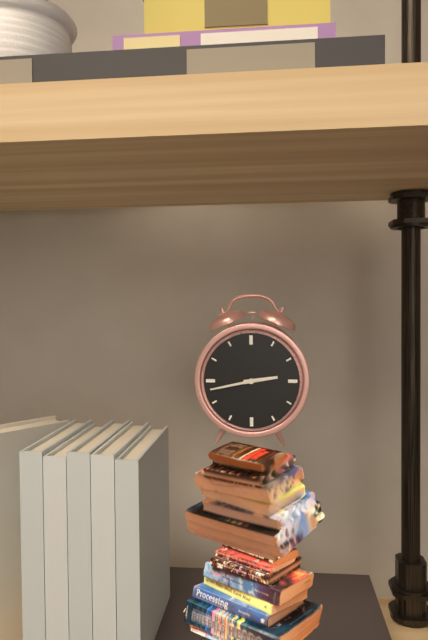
h=2 m=43
